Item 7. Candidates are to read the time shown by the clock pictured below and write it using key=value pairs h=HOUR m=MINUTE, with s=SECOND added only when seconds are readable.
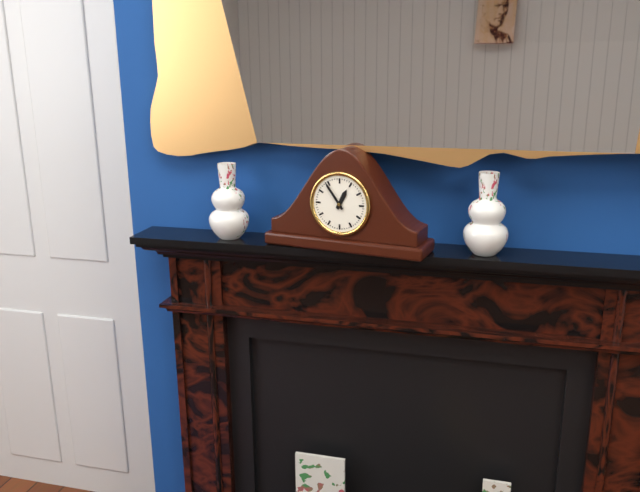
h=12 m=54
